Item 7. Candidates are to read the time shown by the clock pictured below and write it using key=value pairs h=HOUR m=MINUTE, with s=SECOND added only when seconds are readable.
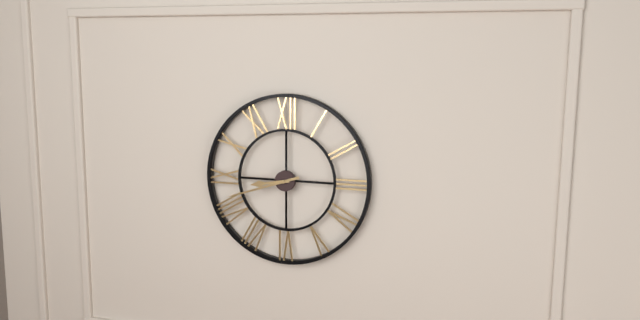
h=8 m=42
